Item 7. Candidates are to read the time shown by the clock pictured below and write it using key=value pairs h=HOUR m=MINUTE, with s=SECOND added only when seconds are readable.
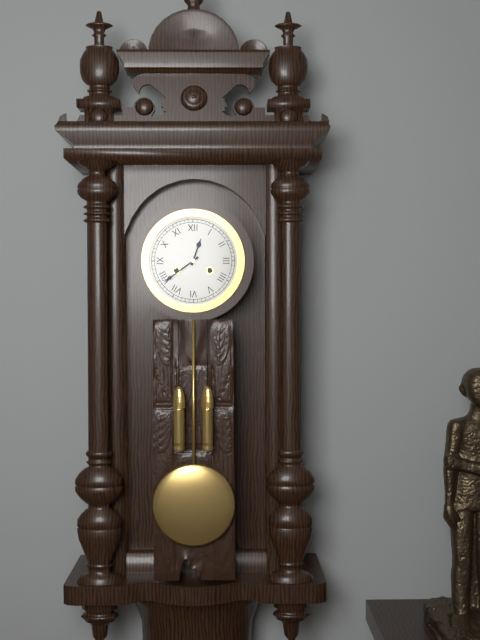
h=12 m=39
